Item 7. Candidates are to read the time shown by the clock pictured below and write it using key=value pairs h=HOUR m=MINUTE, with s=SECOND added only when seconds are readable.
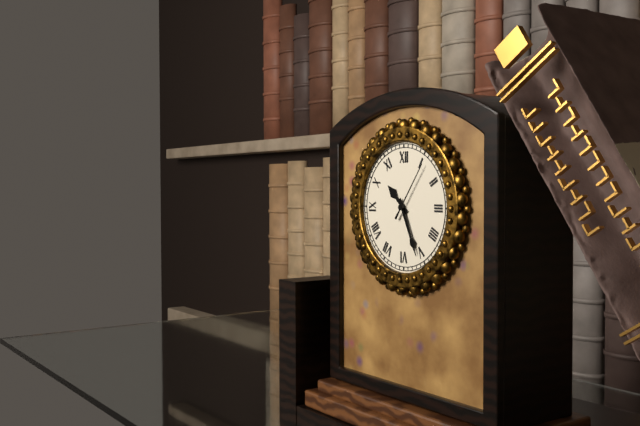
h=10 m=26 s=6
